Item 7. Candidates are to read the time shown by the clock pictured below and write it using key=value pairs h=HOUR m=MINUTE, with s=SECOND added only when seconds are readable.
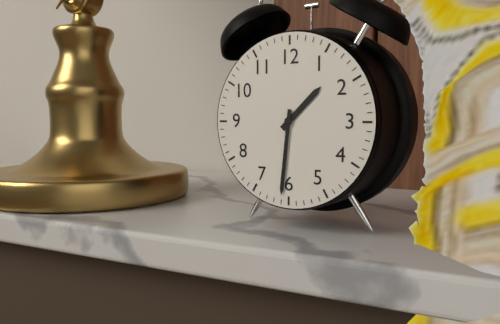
h=1 m=31
